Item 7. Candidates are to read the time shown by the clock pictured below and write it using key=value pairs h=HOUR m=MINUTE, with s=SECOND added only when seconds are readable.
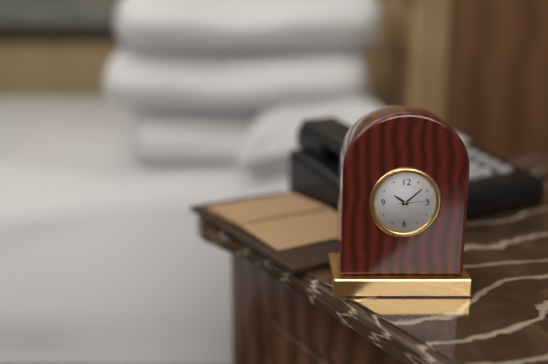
h=10 m=8
